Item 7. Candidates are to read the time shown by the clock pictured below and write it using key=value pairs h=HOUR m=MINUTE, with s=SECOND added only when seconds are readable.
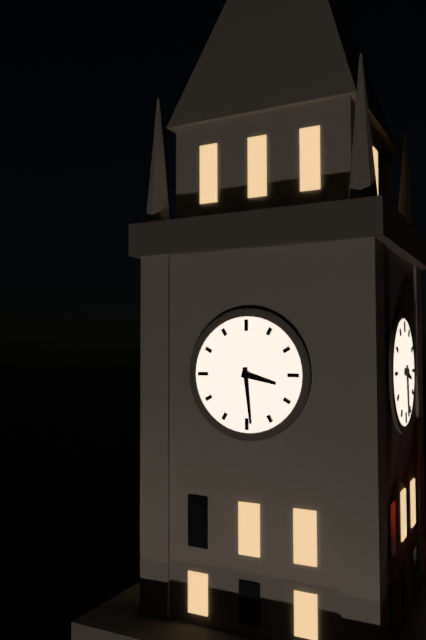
h=3 m=29
